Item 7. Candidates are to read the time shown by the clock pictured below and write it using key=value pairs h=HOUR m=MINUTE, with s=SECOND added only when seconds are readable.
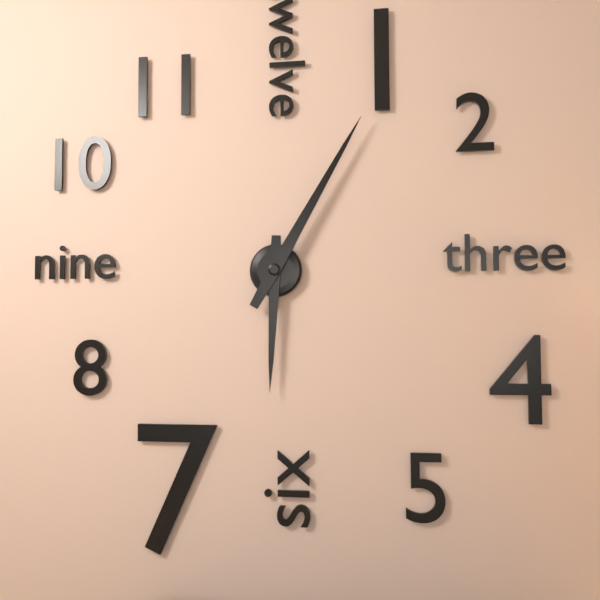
h=6 m=5
